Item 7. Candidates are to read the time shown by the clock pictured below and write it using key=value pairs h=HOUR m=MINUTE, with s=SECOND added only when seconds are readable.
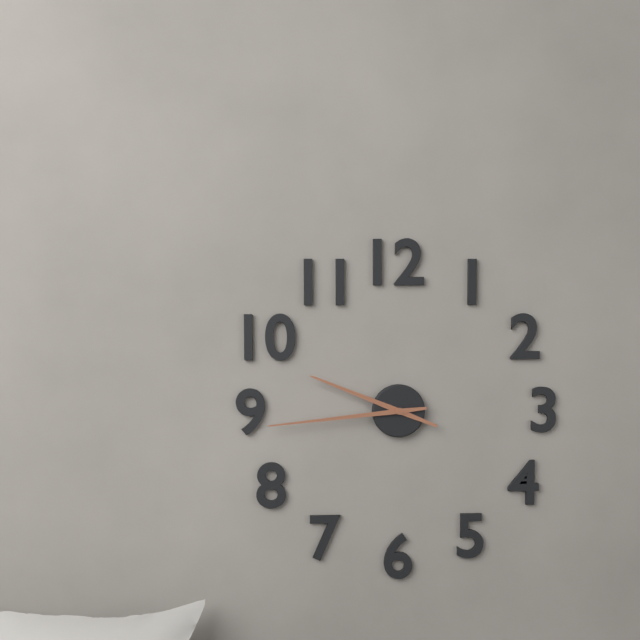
h=9 m=44
